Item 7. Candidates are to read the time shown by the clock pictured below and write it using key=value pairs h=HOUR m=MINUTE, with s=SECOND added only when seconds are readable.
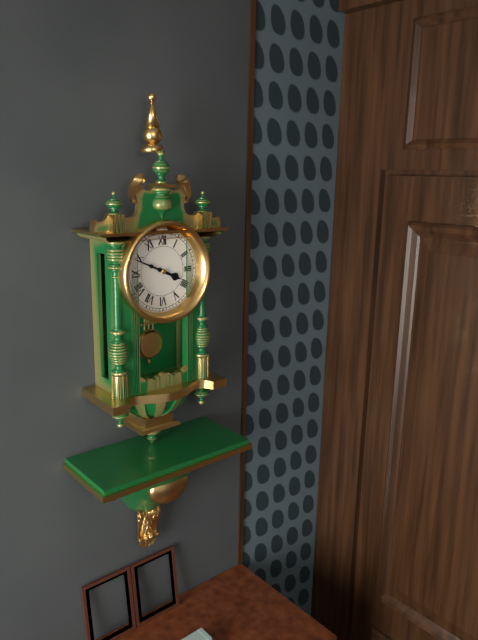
h=3 m=49
